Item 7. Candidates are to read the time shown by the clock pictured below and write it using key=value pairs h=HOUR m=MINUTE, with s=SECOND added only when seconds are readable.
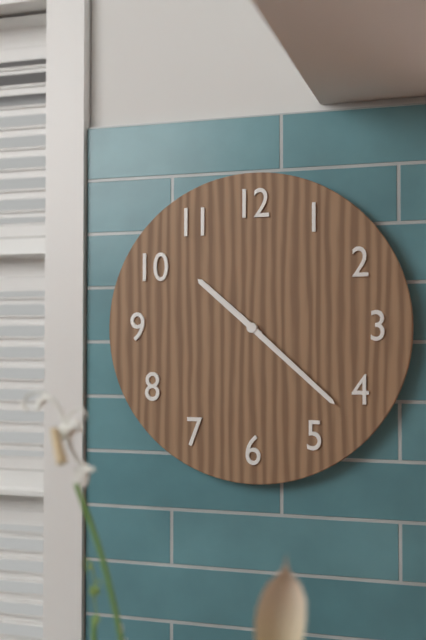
h=10 m=22
